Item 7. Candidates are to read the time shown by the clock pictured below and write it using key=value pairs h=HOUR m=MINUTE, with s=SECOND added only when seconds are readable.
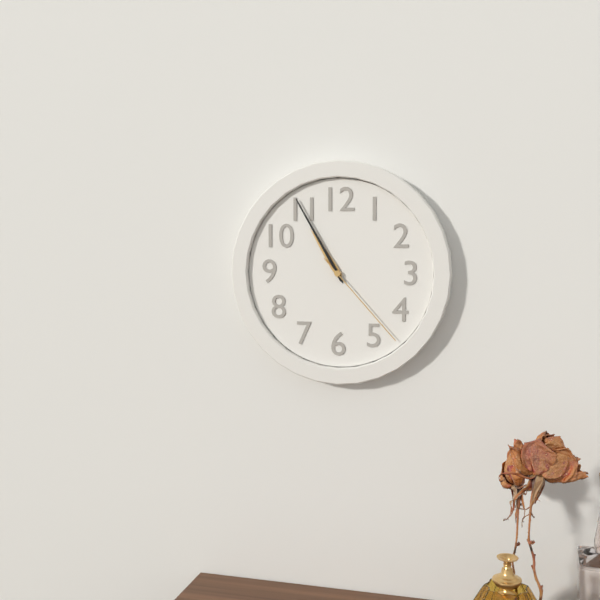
h=10 m=55 s=23
